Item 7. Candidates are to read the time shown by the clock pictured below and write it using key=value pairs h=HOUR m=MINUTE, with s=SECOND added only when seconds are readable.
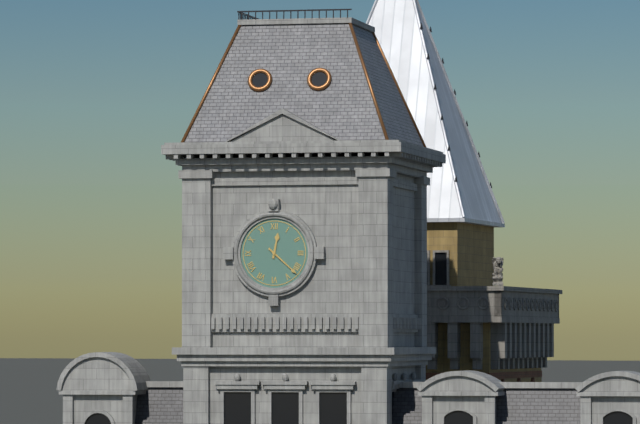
h=12 m=22
